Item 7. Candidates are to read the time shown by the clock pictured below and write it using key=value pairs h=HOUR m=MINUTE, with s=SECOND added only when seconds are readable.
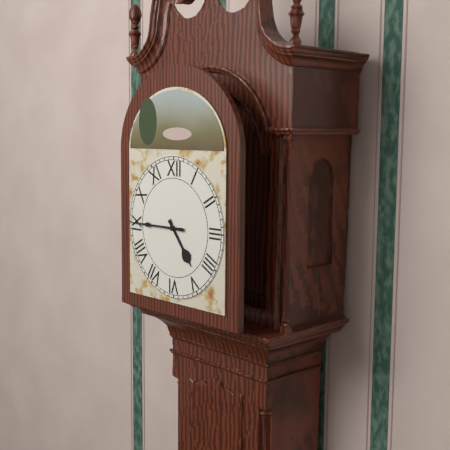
h=4 m=45
